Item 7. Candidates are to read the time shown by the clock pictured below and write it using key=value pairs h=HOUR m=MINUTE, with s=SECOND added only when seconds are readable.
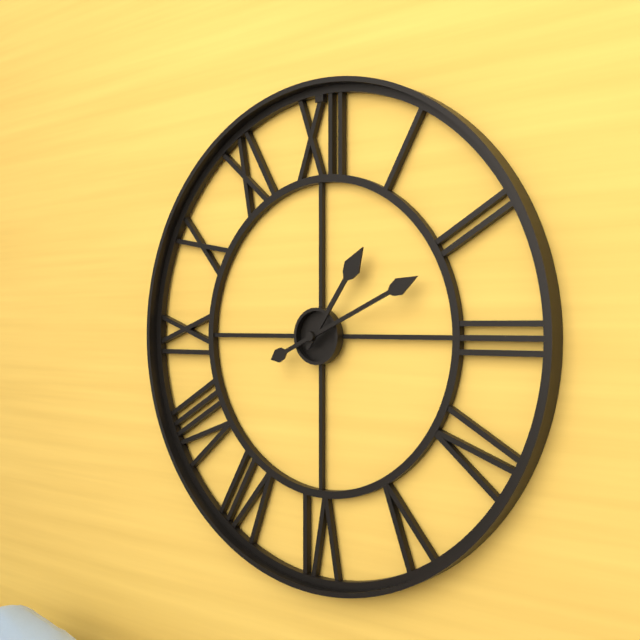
h=1 m=11
